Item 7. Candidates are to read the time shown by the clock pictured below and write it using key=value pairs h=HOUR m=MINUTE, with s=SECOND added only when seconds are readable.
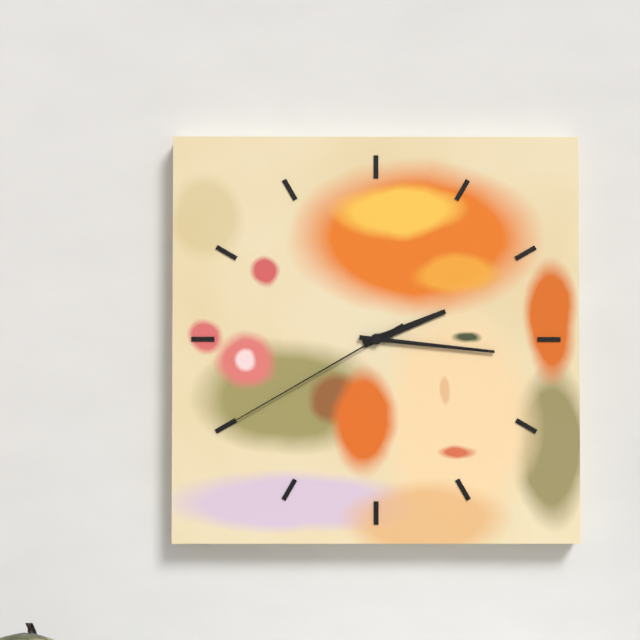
h=2 m=16 s=40
